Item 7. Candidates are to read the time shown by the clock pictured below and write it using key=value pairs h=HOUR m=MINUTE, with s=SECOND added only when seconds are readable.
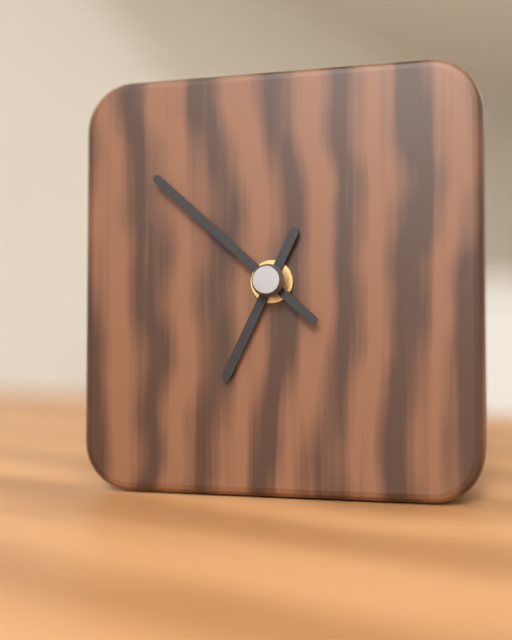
h=6 m=52
